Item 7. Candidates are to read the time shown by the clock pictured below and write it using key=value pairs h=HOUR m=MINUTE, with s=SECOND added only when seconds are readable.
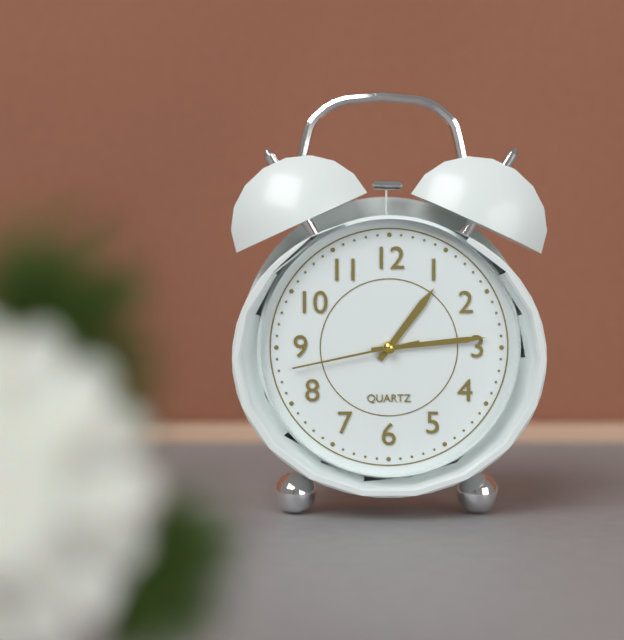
h=1 m=14 s=43
